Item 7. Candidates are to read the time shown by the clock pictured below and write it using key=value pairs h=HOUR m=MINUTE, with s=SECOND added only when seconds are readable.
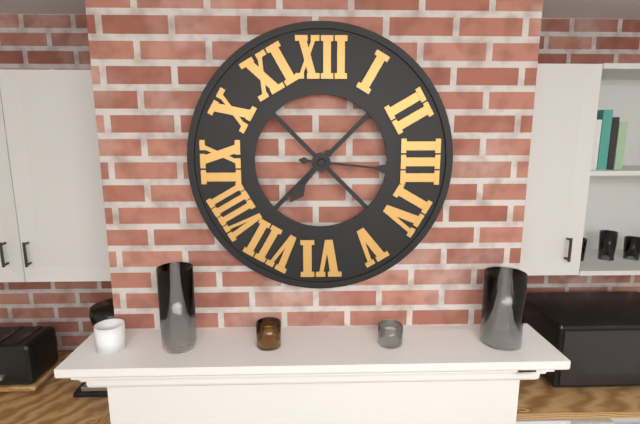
h=7 m=16
